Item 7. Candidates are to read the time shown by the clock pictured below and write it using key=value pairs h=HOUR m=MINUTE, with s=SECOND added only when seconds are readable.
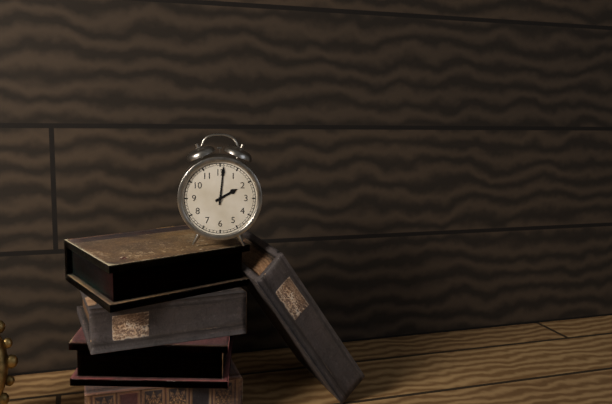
h=2 m=1
